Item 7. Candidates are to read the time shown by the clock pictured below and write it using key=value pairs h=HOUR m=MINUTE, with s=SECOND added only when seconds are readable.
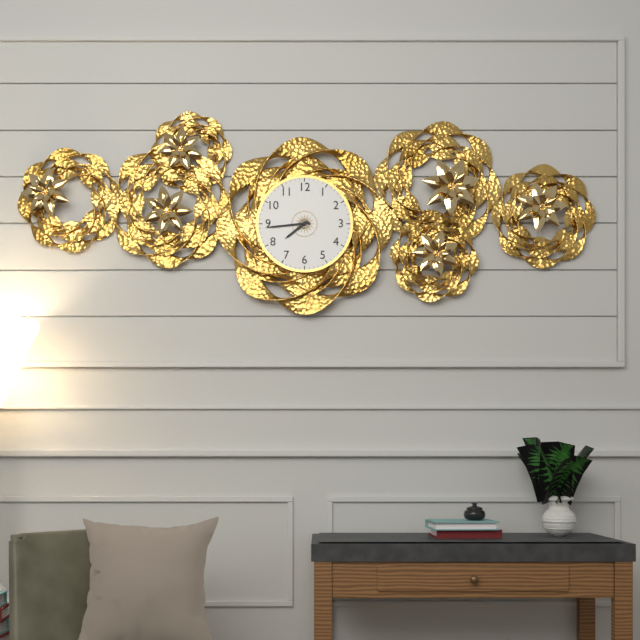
h=7 m=44
